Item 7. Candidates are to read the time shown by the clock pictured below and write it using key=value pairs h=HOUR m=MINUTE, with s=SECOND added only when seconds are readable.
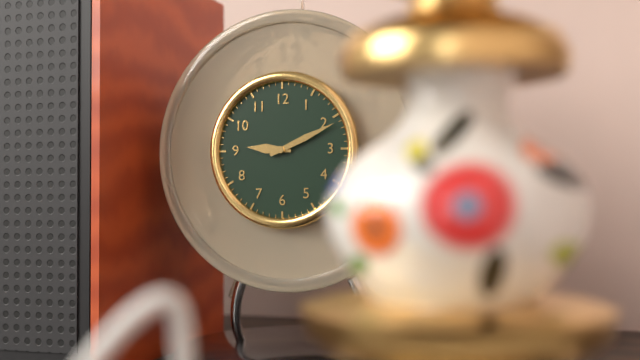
h=9 m=11
